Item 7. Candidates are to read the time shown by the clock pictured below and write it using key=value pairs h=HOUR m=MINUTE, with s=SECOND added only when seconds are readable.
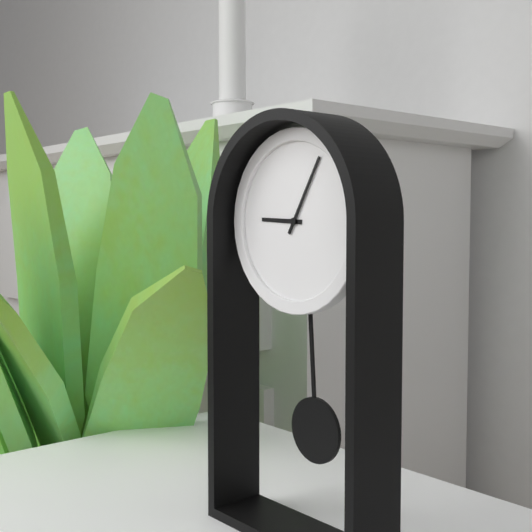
h=9 m=5
